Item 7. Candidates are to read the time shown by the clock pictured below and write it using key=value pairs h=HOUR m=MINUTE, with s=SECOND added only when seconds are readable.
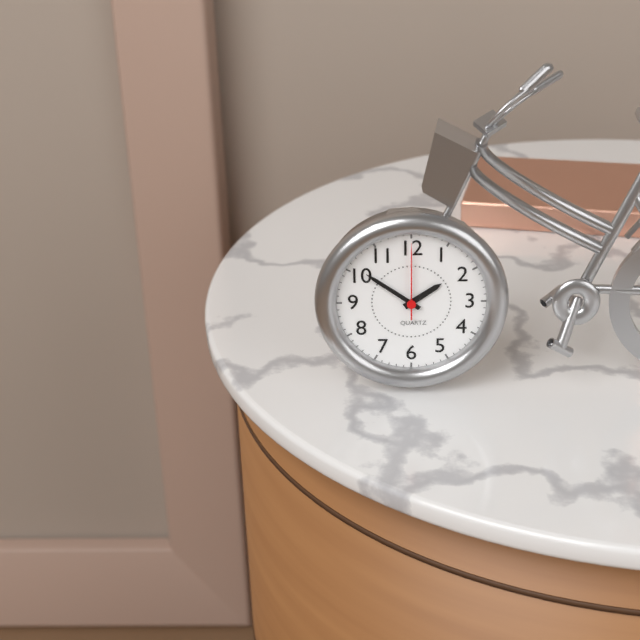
h=1 m=51 s=0
